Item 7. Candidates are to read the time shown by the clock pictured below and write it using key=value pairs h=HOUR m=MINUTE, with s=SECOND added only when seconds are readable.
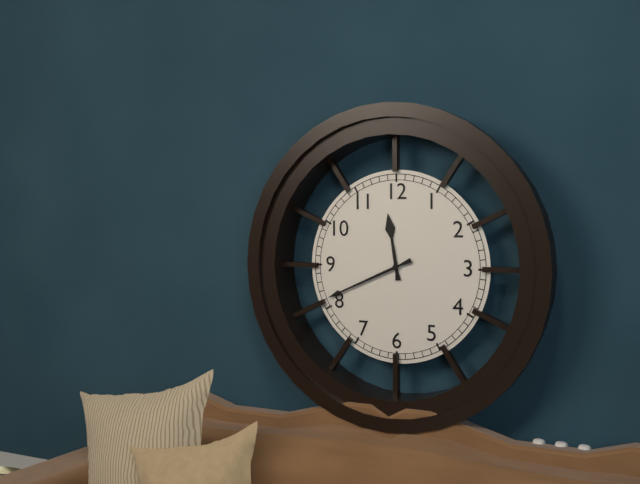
h=11 m=41
